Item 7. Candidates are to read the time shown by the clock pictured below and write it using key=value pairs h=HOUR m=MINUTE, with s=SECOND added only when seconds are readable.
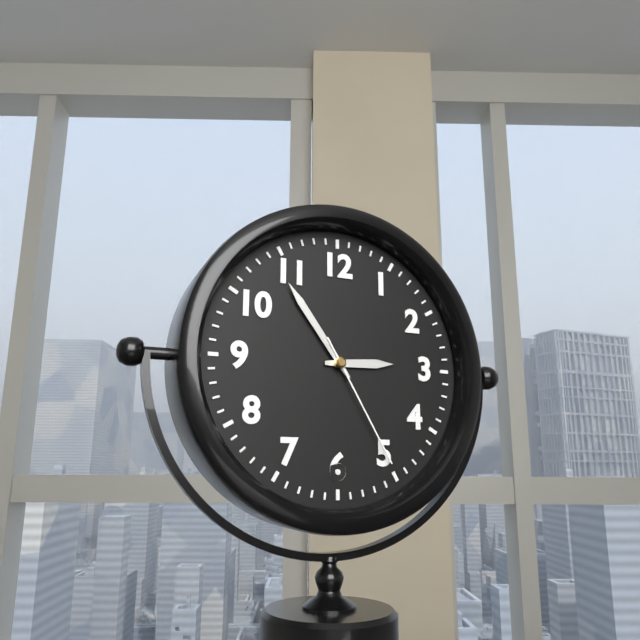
h=2 m=54 s=25
